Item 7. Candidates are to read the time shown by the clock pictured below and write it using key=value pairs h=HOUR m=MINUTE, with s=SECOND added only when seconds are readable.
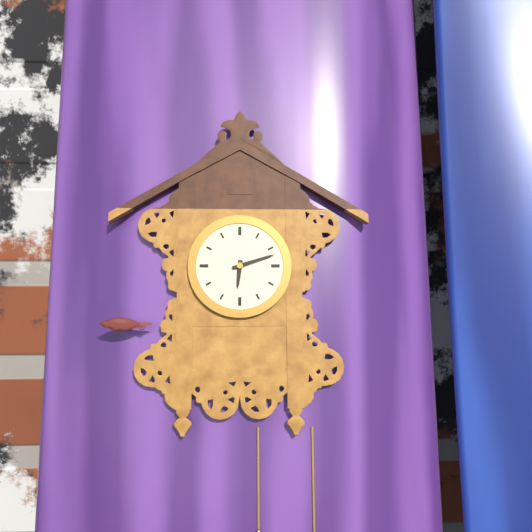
h=6 m=12
